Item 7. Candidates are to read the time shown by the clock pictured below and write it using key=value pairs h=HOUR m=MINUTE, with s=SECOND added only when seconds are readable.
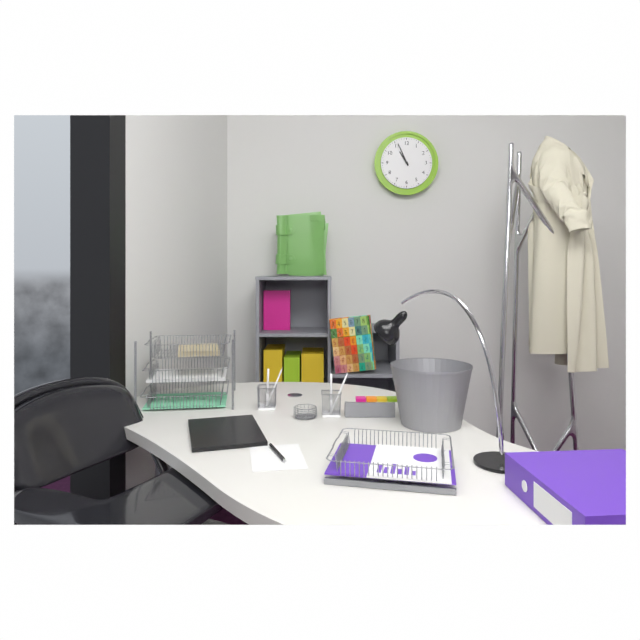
h=10 m=56
